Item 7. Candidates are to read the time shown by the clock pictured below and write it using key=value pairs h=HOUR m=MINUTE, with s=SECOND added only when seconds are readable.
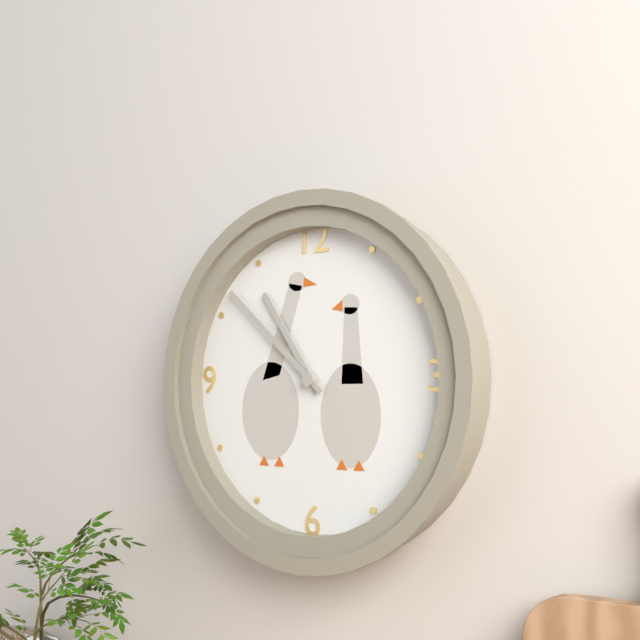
h=10 m=52
